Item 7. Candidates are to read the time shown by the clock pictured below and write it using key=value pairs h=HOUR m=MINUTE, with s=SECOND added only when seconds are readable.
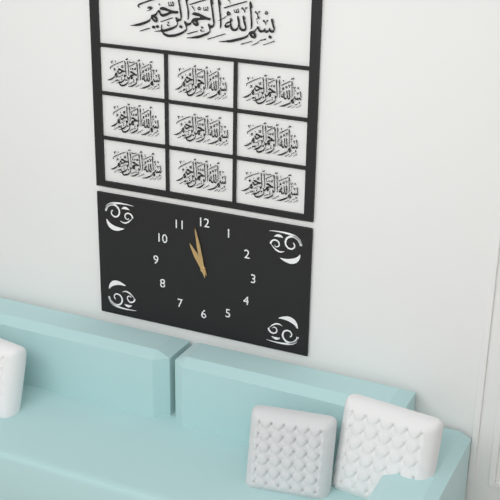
h=10 m=58
